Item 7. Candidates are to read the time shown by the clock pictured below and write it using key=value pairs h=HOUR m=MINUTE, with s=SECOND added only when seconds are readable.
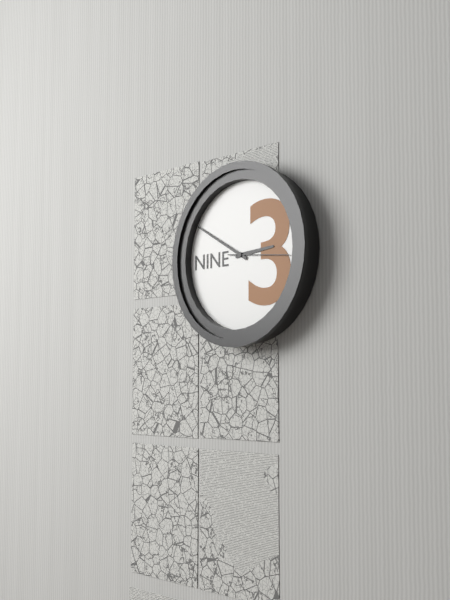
h=2 m=50 s=16
